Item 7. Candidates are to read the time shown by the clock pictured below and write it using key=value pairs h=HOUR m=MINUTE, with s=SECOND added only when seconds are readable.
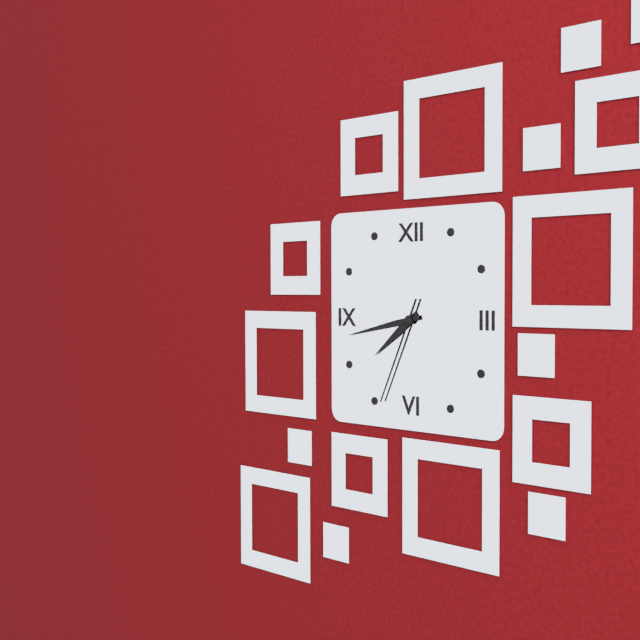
h=7 m=43 s=34
